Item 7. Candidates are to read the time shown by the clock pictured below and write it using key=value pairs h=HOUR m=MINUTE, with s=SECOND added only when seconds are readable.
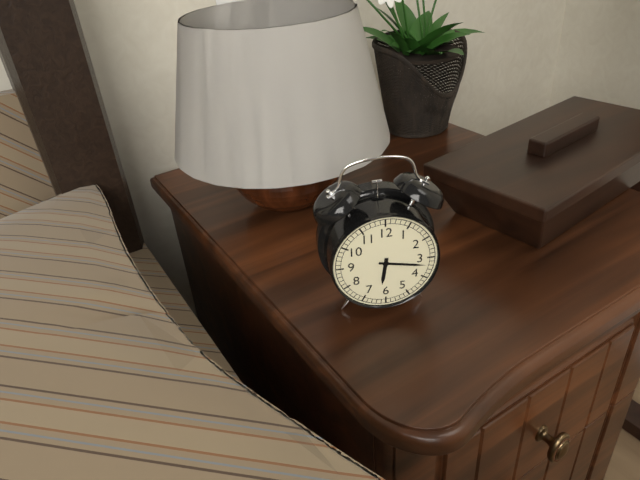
h=6 m=17
